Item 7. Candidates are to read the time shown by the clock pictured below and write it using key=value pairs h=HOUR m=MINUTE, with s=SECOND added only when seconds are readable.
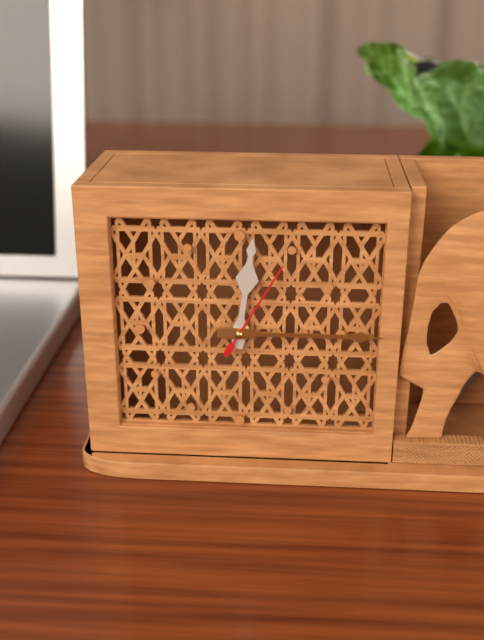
h=12 m=15 s=5
